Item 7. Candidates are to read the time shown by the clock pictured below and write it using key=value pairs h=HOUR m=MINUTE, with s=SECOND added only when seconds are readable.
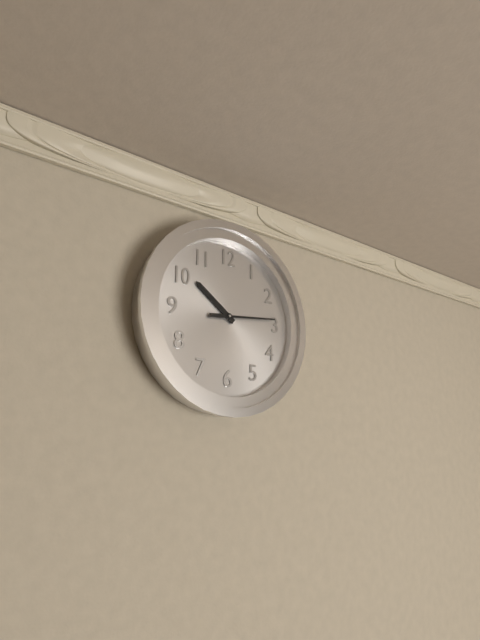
h=10 m=14
